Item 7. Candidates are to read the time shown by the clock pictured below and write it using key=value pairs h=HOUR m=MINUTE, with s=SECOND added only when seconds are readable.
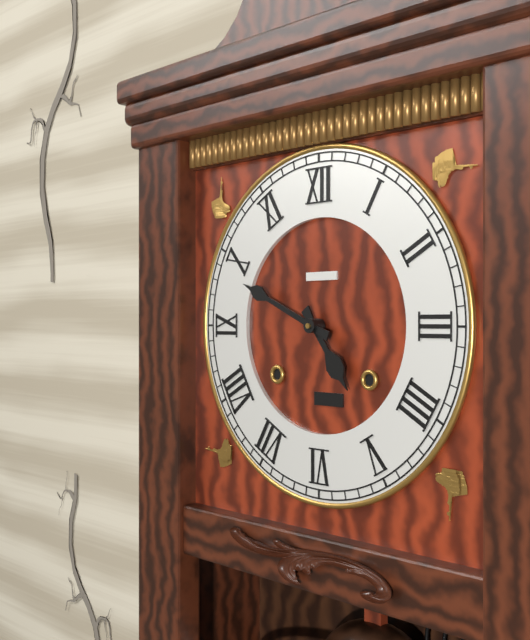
h=4 m=49
